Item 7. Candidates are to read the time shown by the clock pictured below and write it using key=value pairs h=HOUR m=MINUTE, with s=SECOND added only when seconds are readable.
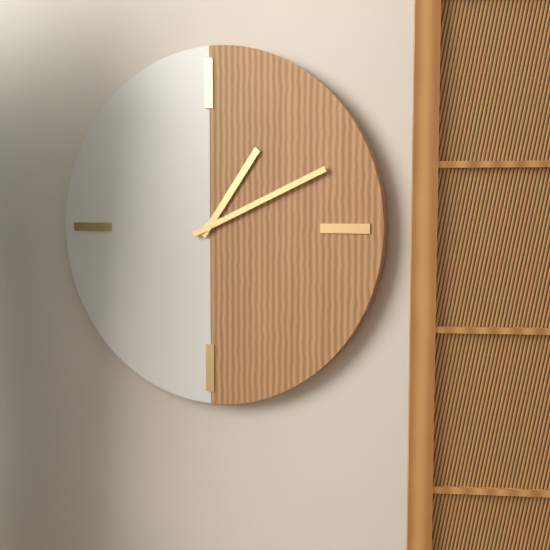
h=1 m=11
